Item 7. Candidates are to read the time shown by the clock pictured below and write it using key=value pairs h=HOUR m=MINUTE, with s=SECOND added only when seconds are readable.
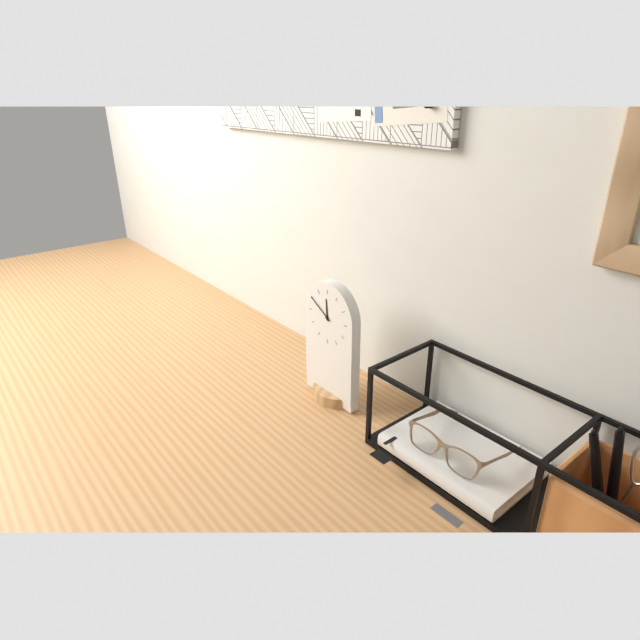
h=11 m=50
